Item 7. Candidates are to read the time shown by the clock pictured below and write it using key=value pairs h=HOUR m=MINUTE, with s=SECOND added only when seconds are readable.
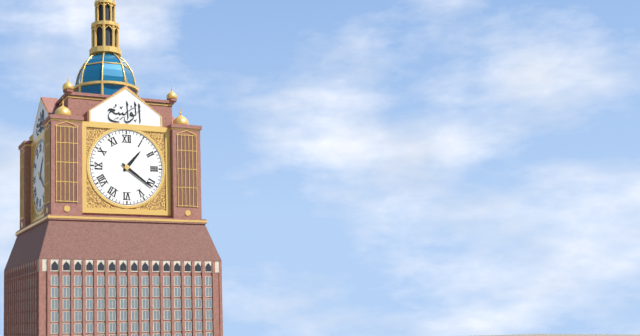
h=1 m=21
